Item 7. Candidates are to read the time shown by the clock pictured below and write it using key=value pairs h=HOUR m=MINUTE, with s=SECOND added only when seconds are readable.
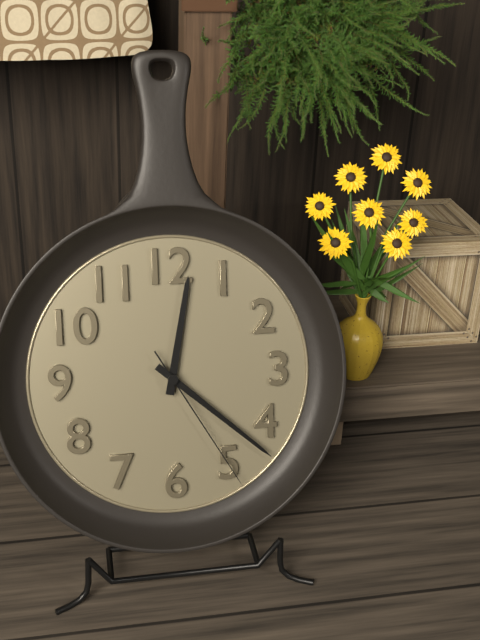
h=12 m=22 s=25
